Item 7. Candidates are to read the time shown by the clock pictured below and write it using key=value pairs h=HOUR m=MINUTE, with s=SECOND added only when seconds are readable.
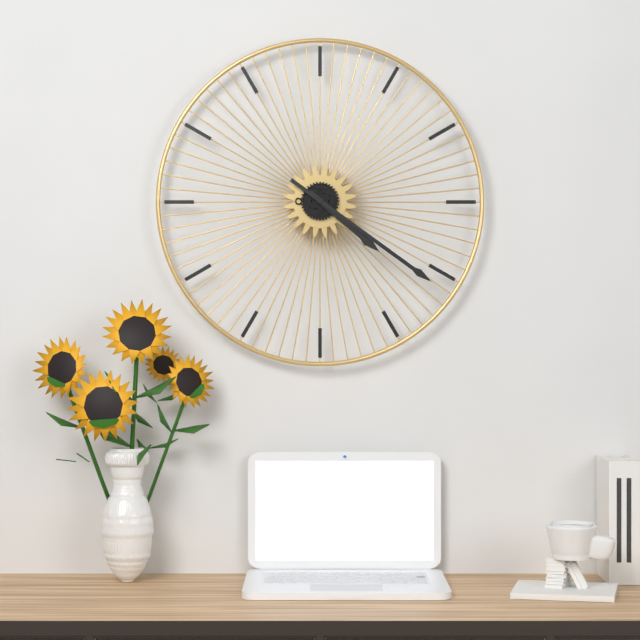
h=4 m=21
